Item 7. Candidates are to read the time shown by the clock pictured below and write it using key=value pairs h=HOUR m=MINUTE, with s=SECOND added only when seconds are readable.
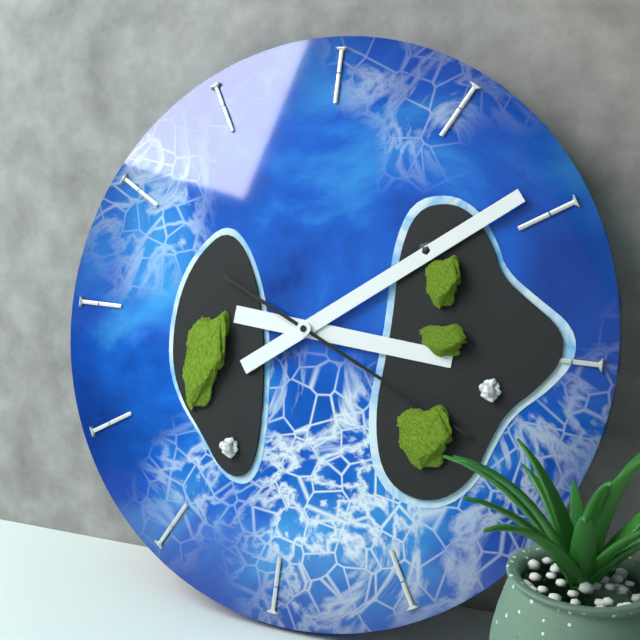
h=3 m=9 s=19
